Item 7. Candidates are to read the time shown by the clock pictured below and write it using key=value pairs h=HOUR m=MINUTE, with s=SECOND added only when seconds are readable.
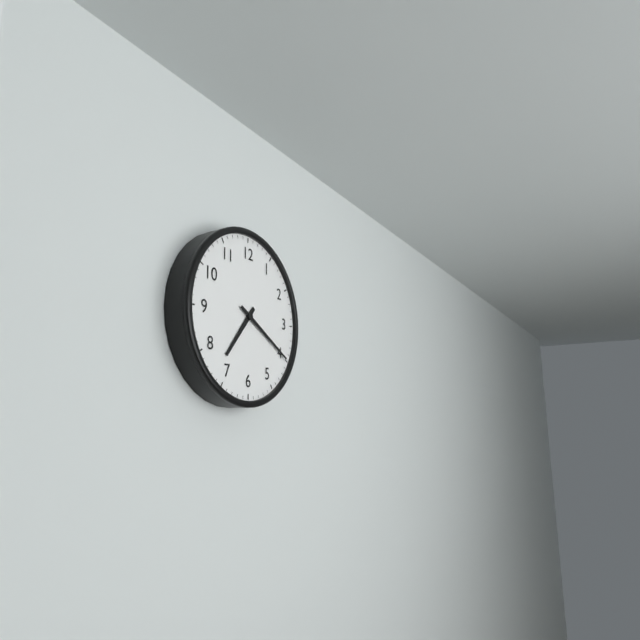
h=7 m=20
